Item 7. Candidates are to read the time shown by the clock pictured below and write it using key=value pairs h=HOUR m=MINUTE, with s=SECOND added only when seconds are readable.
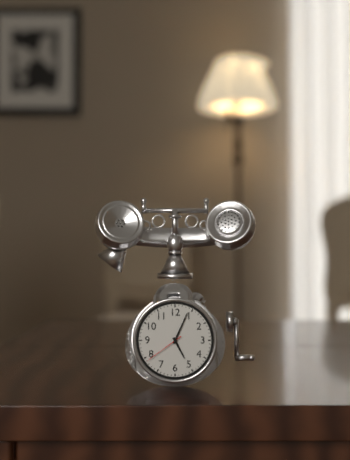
h=5 m=4
